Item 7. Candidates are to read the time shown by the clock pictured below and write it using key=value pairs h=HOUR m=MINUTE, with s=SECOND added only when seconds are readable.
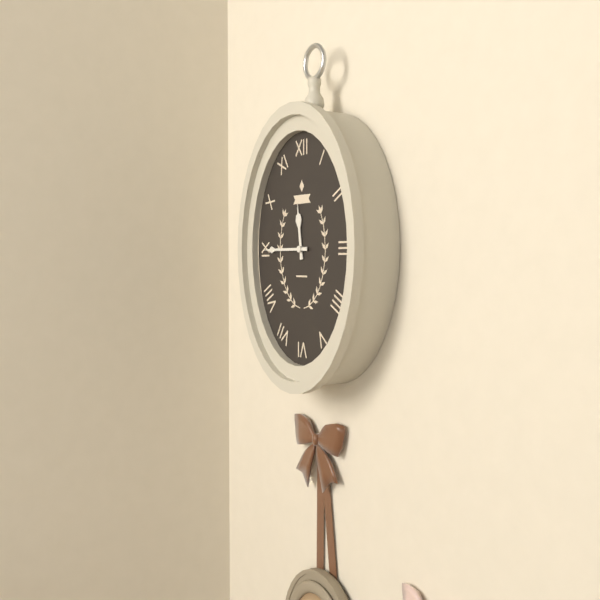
h=11 m=45
